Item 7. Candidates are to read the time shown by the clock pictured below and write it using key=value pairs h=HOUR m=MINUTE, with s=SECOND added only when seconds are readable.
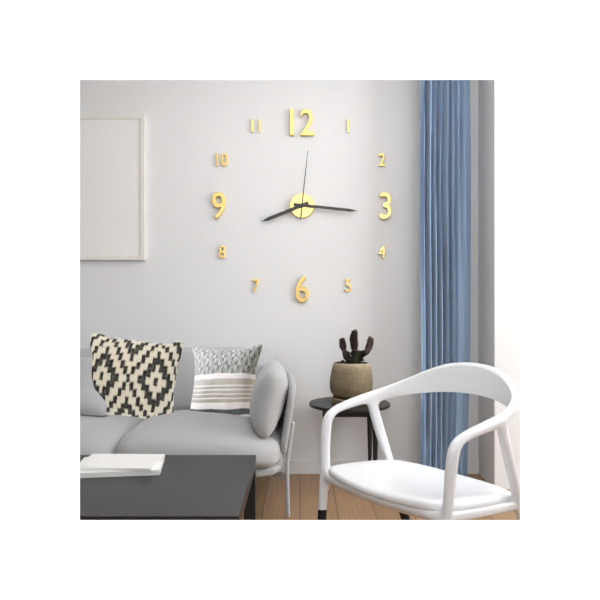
h=8 m=16 s=1
